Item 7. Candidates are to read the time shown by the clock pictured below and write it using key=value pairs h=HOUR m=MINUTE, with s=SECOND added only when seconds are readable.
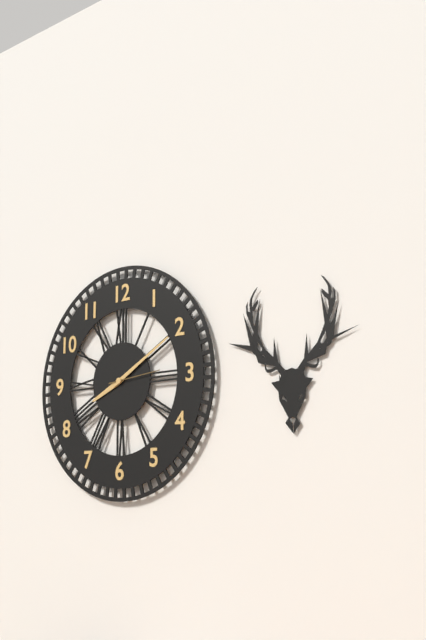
h=8 m=10
